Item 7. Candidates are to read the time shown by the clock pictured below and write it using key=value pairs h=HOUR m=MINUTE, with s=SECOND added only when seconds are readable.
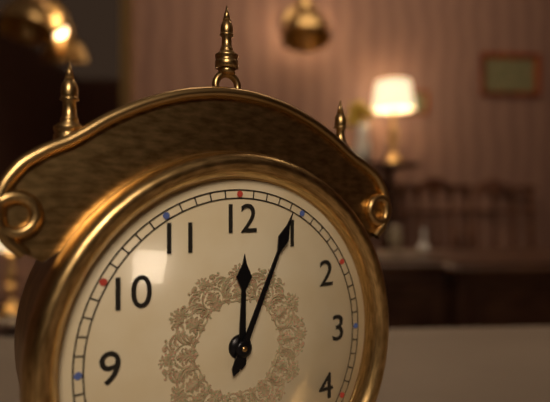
h=12 m=4
